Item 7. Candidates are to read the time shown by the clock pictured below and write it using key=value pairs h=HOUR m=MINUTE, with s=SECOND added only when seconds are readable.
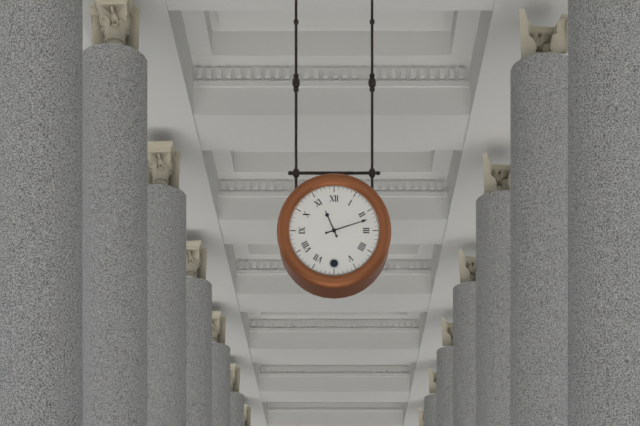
h=11 m=12
